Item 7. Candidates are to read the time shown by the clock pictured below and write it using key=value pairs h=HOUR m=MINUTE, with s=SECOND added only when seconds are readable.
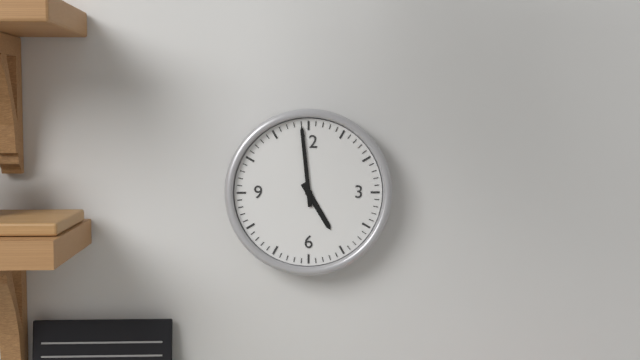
h=4 m=59
